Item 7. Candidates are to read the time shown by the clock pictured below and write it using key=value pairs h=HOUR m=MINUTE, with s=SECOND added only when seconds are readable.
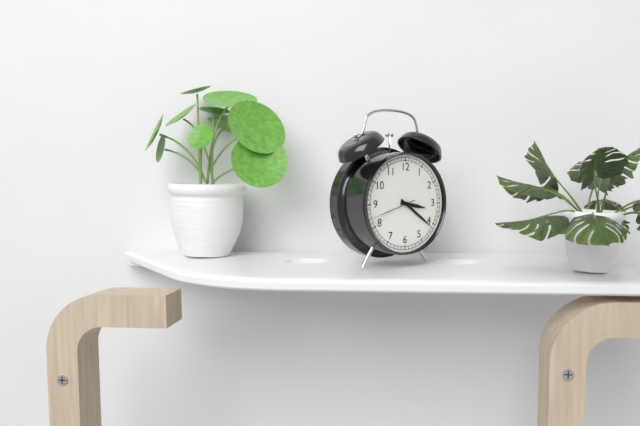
h=3 m=21
